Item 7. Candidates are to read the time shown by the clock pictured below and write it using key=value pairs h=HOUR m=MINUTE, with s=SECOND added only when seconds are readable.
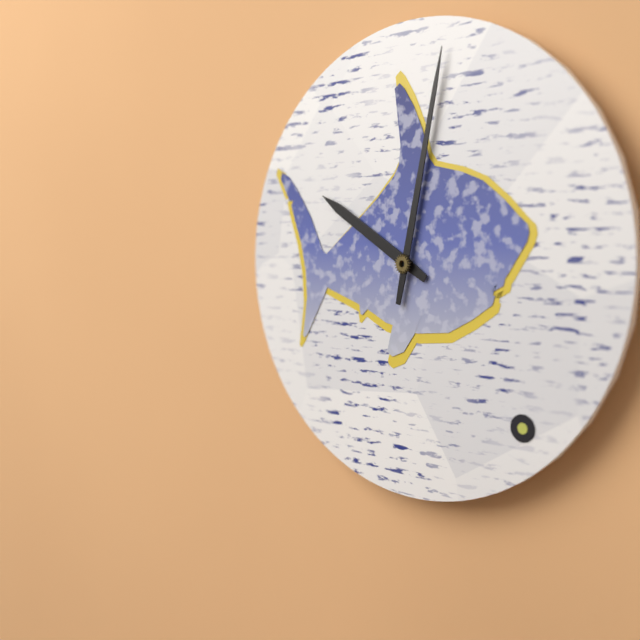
h=10 m=2
